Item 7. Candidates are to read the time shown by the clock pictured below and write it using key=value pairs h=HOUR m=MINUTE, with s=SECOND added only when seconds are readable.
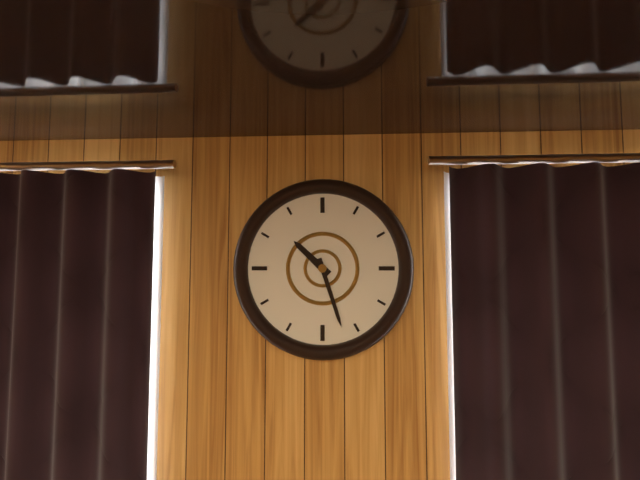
h=10 m=27
